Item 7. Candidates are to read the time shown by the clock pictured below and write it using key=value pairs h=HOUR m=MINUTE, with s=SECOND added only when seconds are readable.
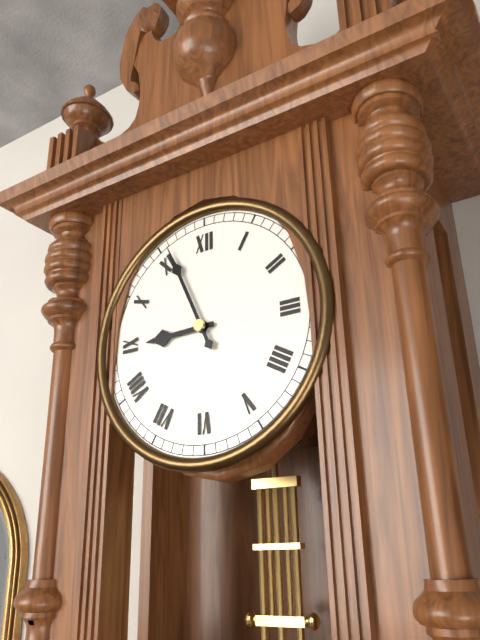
h=8 m=56
